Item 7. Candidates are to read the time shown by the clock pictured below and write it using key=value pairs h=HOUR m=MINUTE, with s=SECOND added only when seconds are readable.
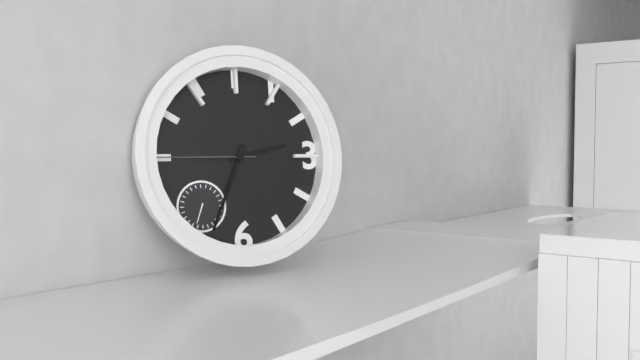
h=2 m=34 s=45
